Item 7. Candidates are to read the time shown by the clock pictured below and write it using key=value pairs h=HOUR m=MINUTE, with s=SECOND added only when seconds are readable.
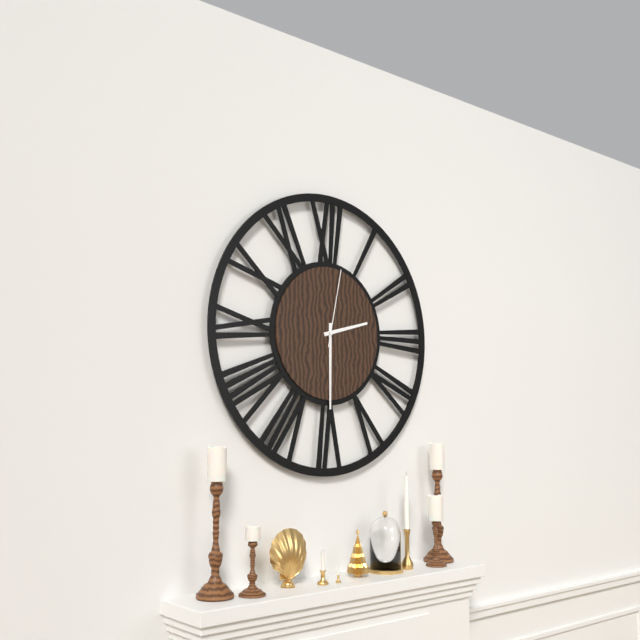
h=2 m=30 s=2
